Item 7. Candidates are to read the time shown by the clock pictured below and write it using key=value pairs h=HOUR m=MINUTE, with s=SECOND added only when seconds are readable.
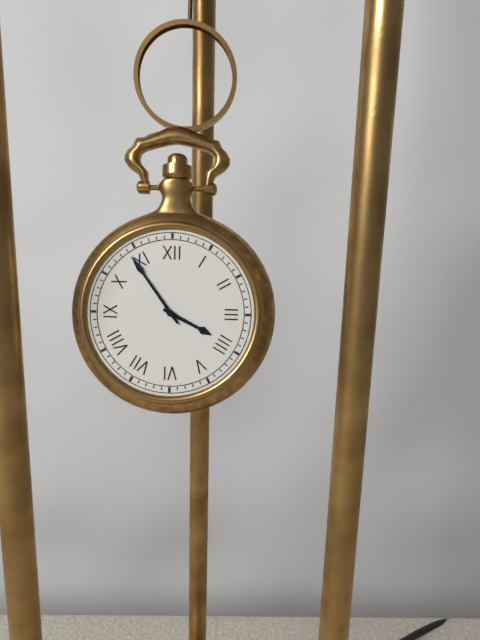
h=3 m=54
